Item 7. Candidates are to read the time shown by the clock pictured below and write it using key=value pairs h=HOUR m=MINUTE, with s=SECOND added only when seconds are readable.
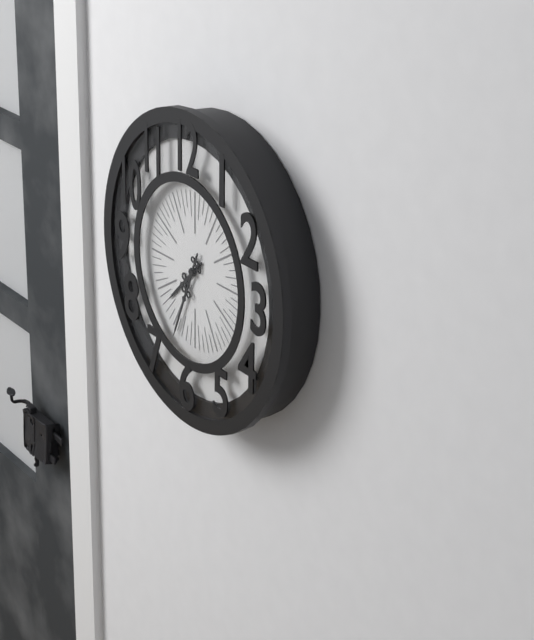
h=7 m=34
